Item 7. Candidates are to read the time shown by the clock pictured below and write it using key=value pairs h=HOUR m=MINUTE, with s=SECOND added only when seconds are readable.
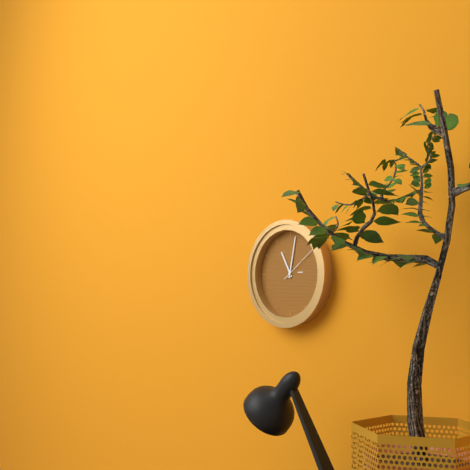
h=11 m=2
